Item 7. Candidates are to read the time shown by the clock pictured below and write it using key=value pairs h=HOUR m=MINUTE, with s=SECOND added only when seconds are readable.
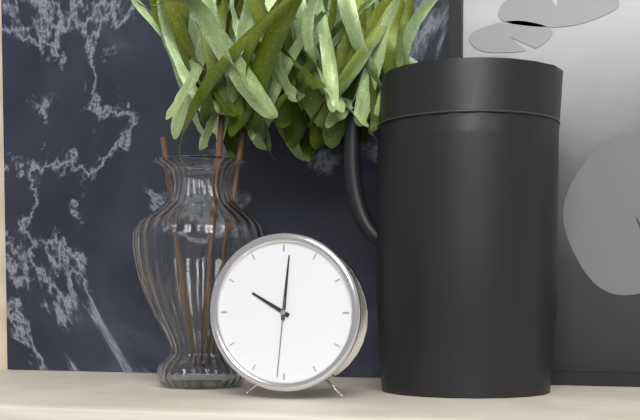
h=10 m=1 s=31
